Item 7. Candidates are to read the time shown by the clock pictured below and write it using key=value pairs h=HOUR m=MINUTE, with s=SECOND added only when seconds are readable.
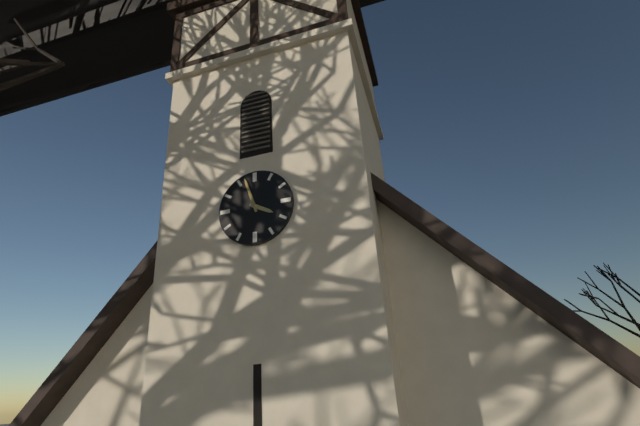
h=3 m=57
